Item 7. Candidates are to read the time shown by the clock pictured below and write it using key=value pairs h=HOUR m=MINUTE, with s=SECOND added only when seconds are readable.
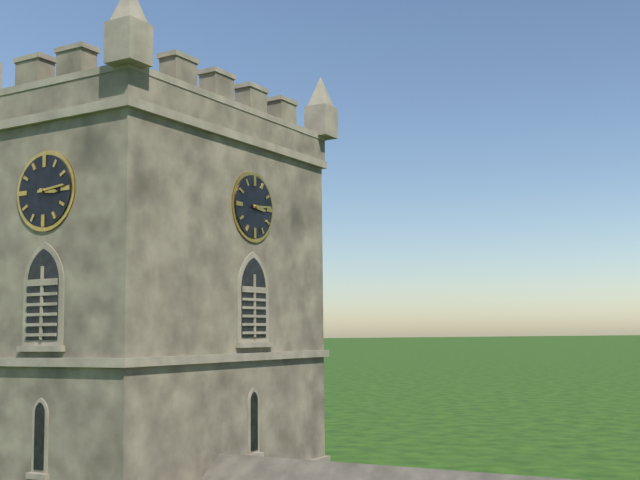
h=3 m=14
